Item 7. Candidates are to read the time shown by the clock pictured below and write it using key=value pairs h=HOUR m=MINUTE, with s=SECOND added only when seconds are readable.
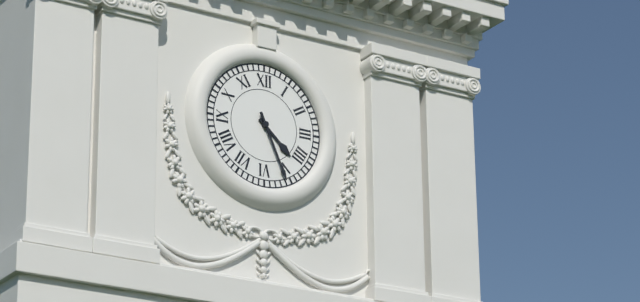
h=4 m=26
